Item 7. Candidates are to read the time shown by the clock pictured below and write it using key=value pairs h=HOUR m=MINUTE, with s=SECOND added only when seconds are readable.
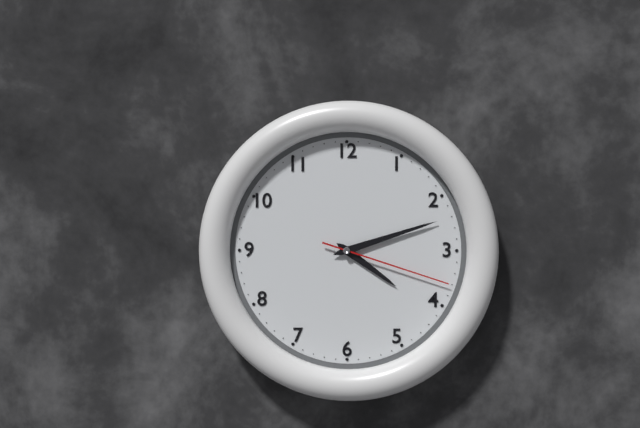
h=4 m=12 s=18
